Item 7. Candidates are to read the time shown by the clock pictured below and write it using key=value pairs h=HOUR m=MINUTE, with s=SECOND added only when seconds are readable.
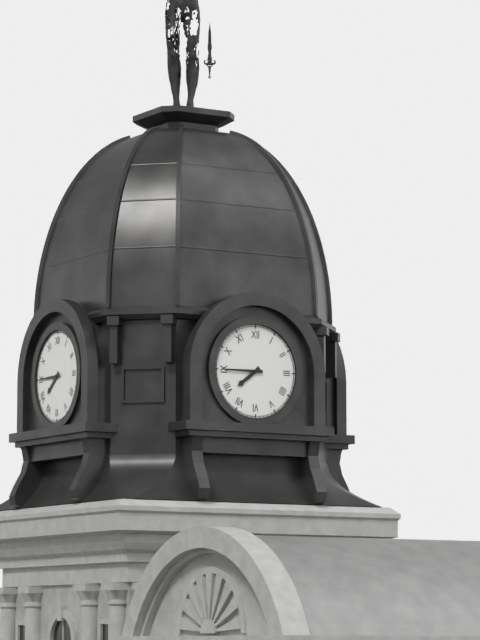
h=7 m=45
